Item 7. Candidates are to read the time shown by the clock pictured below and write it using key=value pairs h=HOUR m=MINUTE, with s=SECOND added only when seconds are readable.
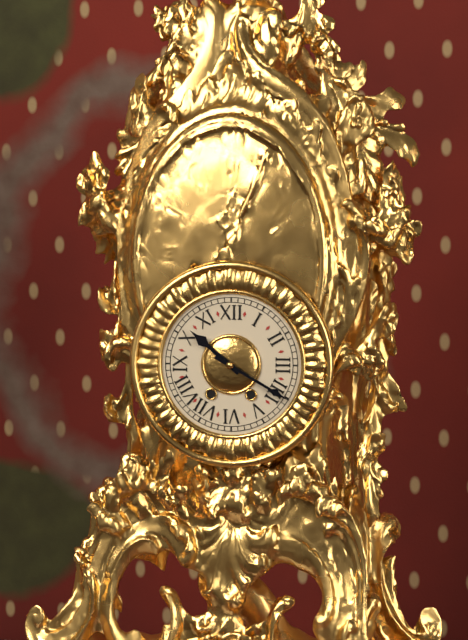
h=10 m=20
